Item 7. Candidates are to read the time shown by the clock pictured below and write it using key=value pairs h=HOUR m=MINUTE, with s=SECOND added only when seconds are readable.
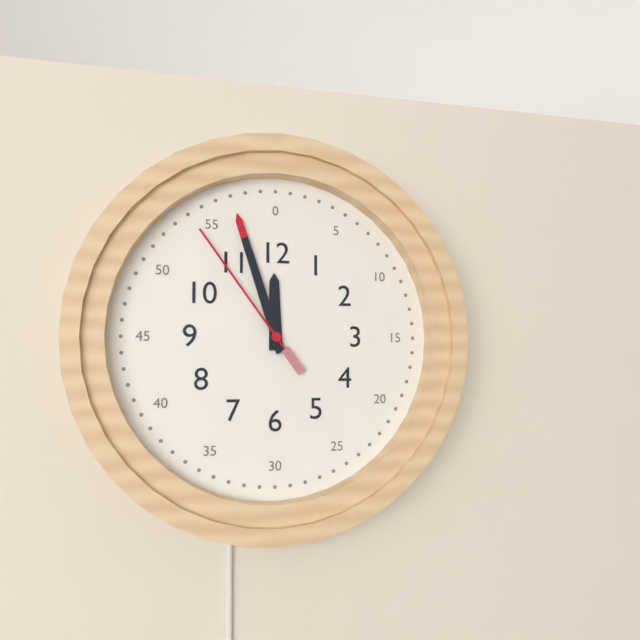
h=11 m=57 s=54
